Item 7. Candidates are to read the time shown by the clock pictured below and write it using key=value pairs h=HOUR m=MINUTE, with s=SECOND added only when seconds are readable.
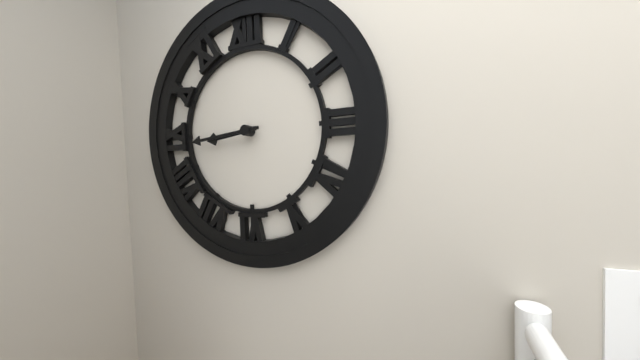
h=8 m=44
